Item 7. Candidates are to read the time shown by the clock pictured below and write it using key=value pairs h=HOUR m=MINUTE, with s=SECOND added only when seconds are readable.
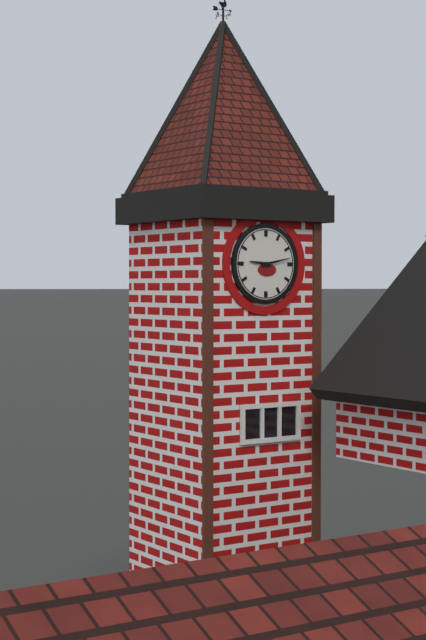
h=9 m=13
